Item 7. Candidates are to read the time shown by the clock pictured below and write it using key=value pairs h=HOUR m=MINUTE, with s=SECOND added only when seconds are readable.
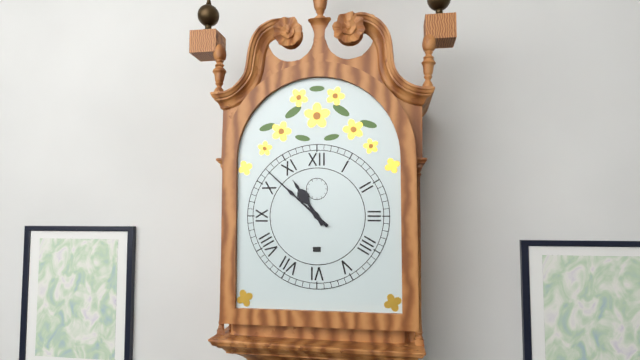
h=10 m=52
